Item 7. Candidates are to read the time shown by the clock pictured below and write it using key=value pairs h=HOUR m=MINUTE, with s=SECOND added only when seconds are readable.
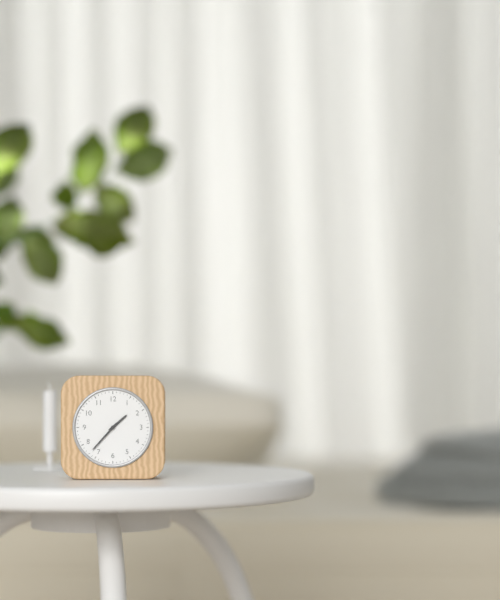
h=1 m=37
